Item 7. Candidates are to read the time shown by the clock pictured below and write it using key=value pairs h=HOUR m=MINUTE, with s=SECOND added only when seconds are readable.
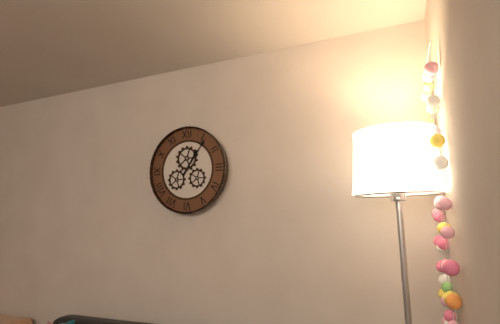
h=1 m=6
